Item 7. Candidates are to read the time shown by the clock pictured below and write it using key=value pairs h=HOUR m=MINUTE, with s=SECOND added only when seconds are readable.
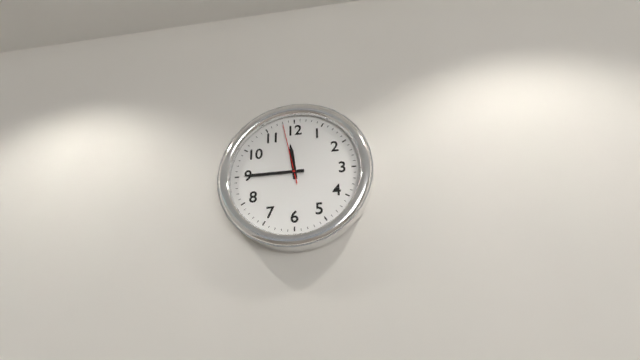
h=11 m=45 s=58
